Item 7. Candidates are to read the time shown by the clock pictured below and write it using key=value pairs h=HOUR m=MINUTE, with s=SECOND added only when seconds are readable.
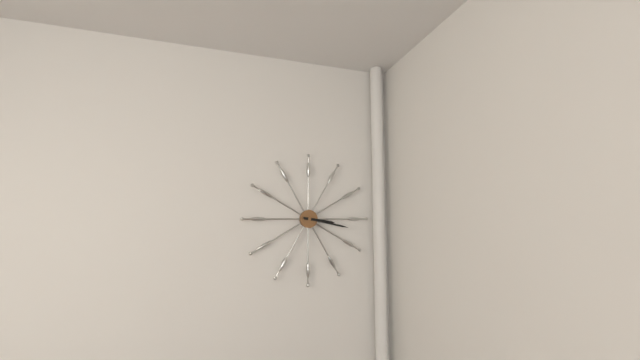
h=3 m=17
